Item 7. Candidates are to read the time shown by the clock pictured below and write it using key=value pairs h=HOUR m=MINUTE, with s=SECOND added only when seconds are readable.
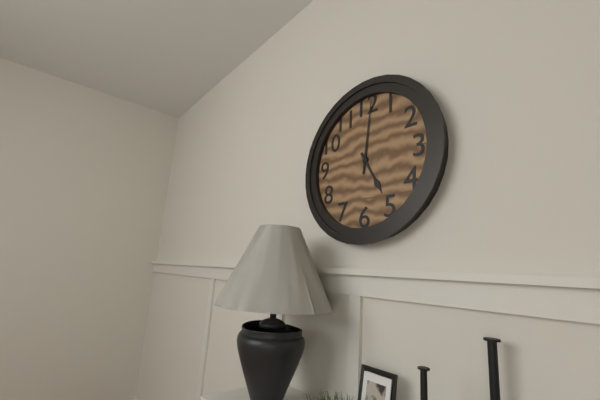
h=5 m=1
